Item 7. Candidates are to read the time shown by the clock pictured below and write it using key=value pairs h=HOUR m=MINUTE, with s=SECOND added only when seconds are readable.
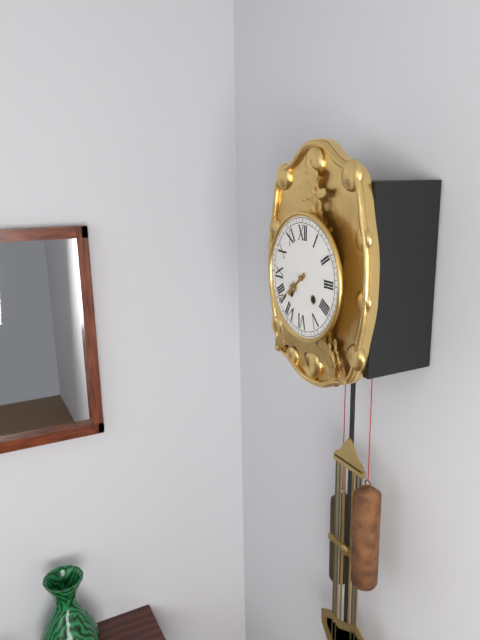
h=7 m=39
